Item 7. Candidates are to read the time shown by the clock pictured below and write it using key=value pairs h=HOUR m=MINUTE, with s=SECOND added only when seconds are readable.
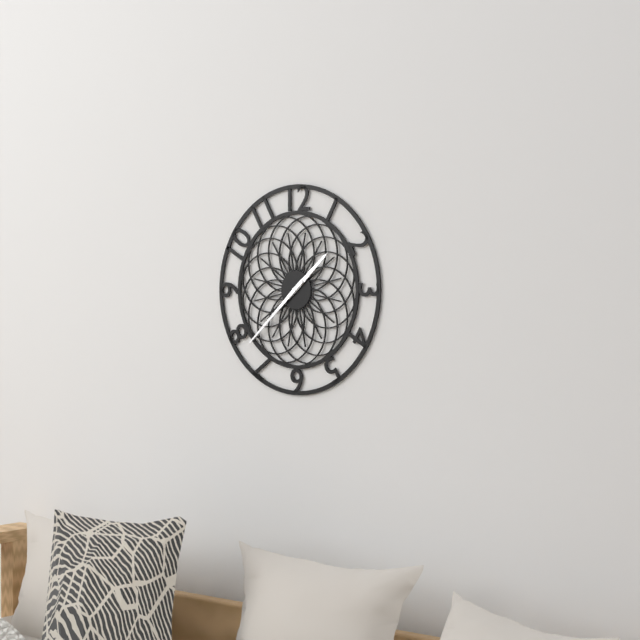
h=1 m=38
